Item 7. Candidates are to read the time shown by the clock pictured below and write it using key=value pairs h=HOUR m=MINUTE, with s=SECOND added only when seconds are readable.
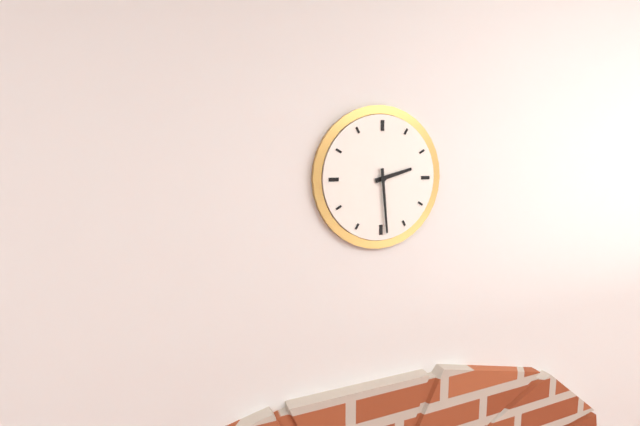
h=2 m=29
